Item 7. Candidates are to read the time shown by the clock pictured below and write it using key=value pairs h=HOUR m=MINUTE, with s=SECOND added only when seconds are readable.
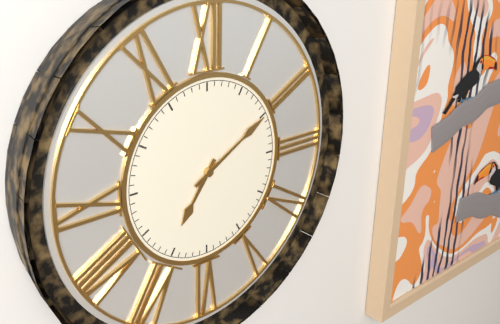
h=7 m=10
